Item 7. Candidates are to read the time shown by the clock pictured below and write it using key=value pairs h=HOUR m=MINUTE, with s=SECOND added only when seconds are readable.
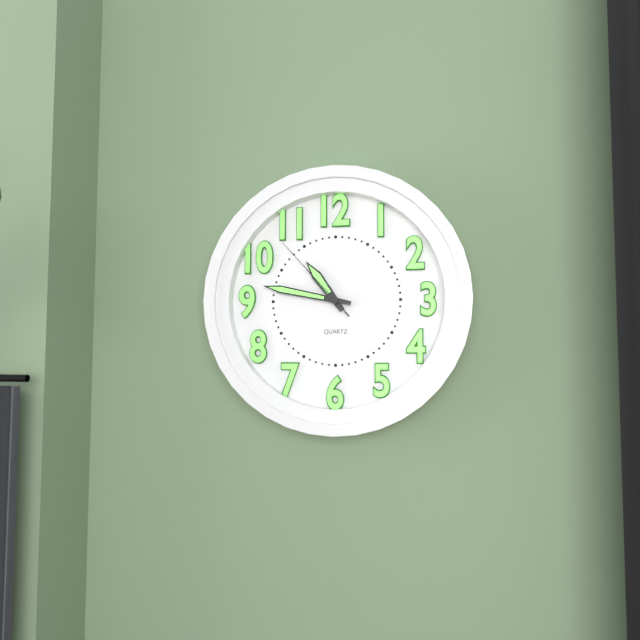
h=10 m=47 s=53
